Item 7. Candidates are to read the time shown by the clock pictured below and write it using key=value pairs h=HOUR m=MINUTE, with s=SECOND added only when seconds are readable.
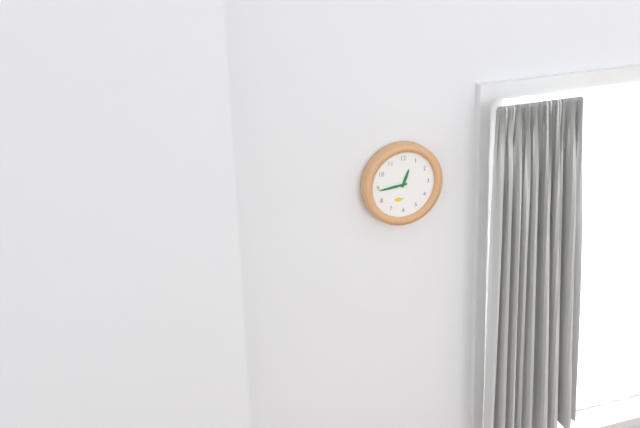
h=12 m=44
